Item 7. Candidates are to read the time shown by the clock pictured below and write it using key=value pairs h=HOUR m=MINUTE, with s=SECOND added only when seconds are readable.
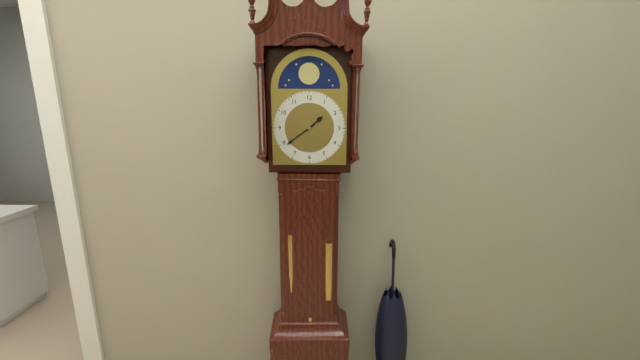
h=1 m=39
